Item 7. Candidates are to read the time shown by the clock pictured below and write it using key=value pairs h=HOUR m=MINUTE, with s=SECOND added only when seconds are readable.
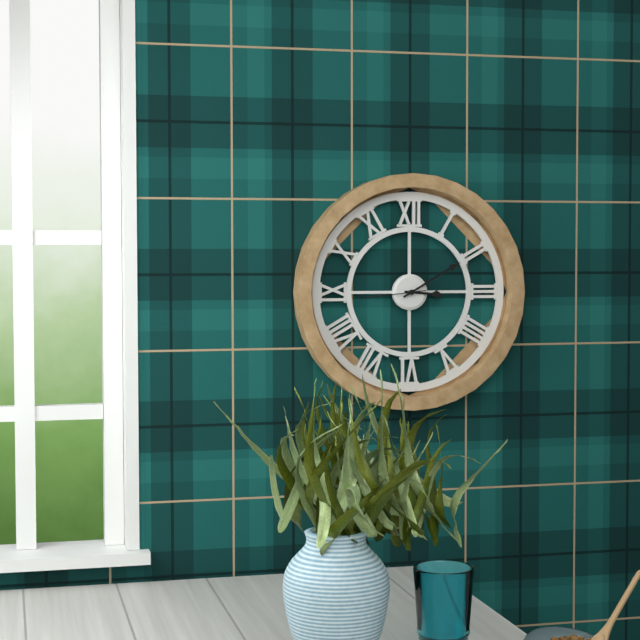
h=3 m=10 s=44
